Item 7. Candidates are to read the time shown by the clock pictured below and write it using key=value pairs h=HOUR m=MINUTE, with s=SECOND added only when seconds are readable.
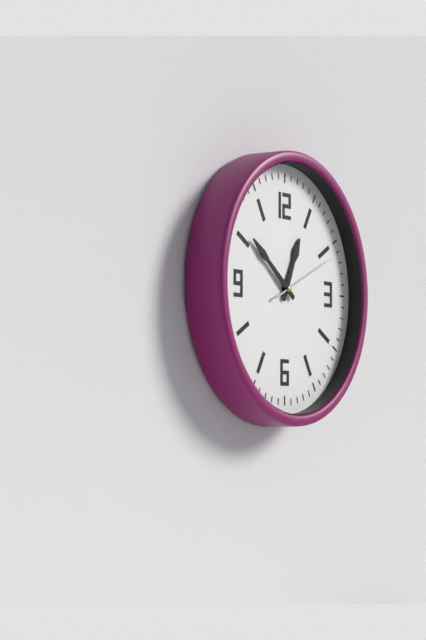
h=12 m=51 s=11
